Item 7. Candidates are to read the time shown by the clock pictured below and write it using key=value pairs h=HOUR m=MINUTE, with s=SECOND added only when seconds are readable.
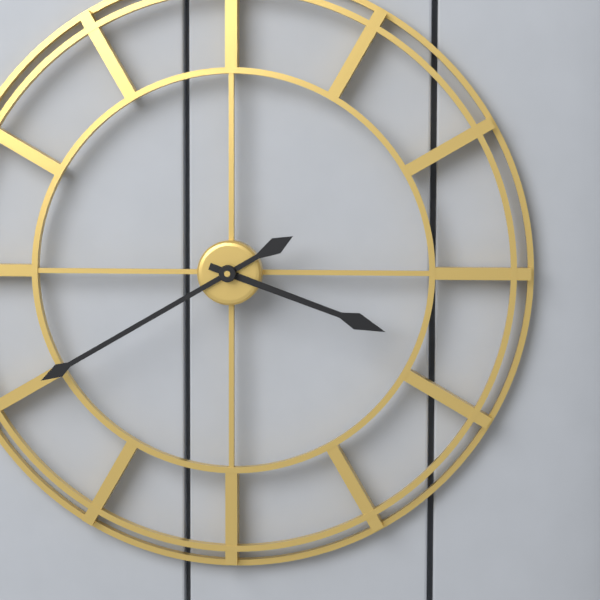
h=3 m=40
